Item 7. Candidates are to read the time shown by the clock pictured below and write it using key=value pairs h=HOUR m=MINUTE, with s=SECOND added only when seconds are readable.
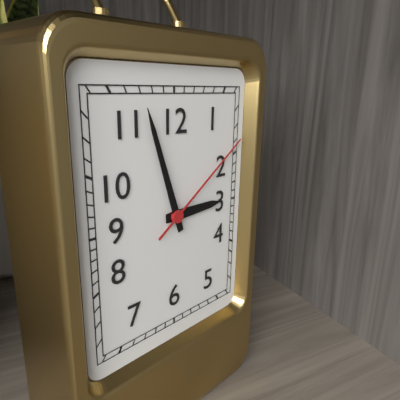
h=2 m=57 s=9
